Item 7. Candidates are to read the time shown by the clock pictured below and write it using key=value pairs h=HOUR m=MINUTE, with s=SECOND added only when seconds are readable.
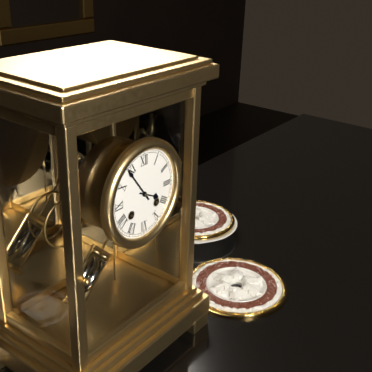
h=3 m=54
